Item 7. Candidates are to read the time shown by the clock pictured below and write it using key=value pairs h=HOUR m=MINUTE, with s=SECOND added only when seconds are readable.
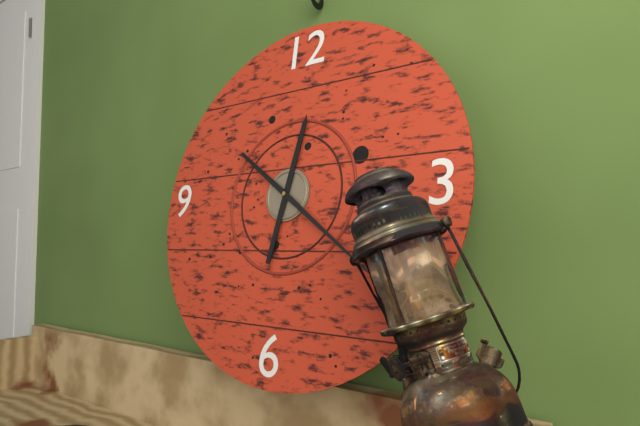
h=12 m=21
